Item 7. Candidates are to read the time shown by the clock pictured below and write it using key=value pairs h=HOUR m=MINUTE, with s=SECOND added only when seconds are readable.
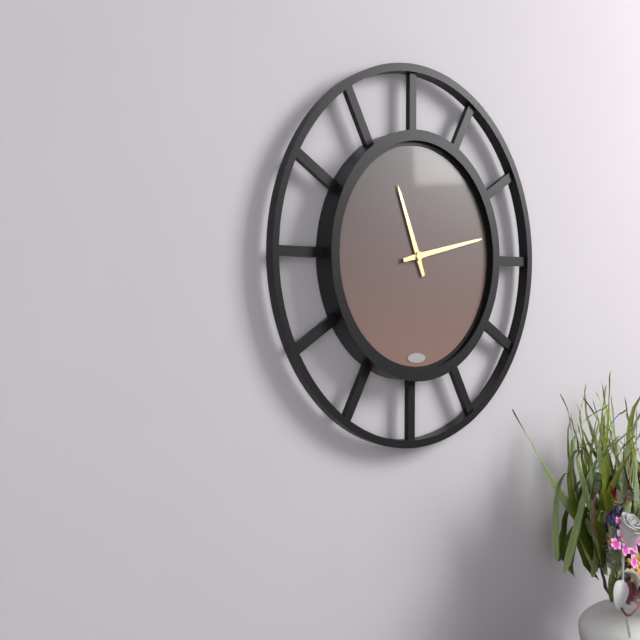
h=11 m=13
